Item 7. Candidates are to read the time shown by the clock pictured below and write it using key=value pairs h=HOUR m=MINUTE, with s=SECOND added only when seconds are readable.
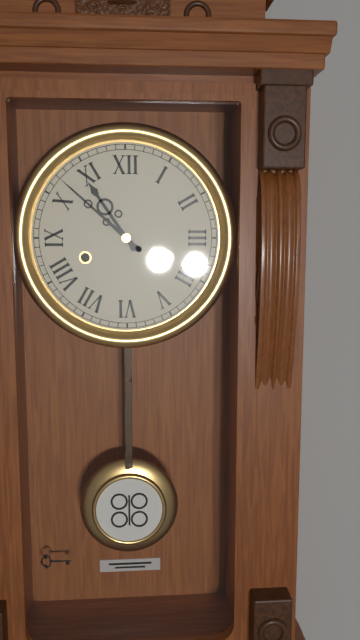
h=10 m=52
